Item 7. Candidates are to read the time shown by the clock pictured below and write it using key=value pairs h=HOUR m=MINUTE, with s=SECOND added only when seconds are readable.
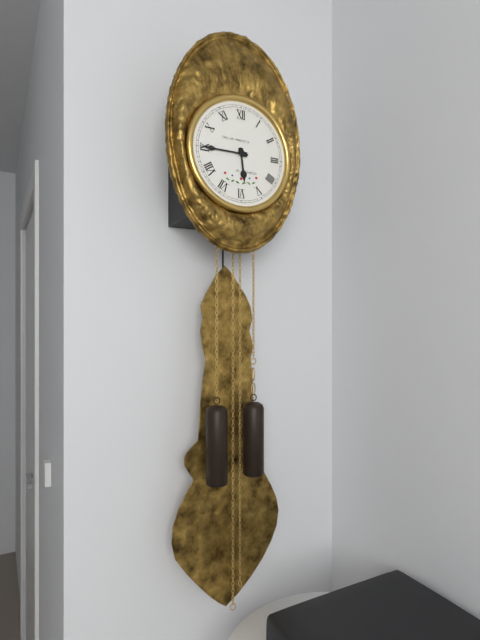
h=5 m=45
